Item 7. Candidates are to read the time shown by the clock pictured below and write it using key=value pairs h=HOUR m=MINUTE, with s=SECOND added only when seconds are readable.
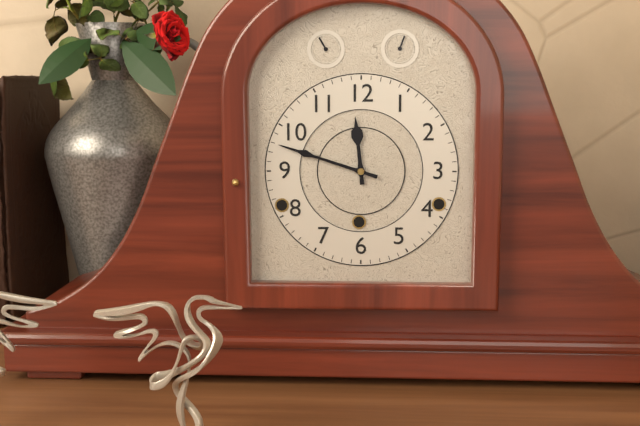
h=11 m=48
